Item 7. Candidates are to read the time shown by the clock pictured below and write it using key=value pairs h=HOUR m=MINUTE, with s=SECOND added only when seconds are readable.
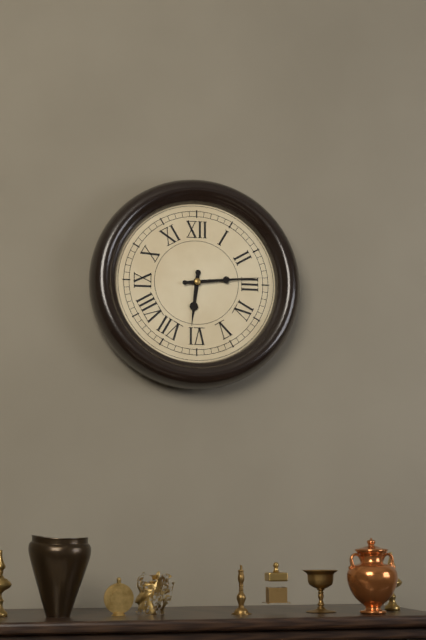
h=6 m=14
